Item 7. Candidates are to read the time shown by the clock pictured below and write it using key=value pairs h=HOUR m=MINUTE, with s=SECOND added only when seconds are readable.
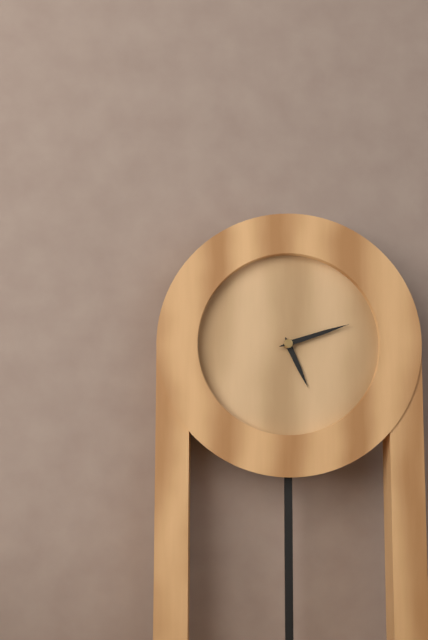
h=5 m=12
